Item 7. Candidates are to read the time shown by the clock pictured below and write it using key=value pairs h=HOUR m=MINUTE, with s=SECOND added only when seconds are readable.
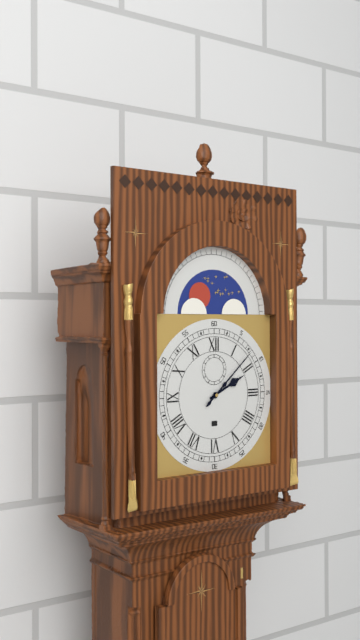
h=2 m=8
